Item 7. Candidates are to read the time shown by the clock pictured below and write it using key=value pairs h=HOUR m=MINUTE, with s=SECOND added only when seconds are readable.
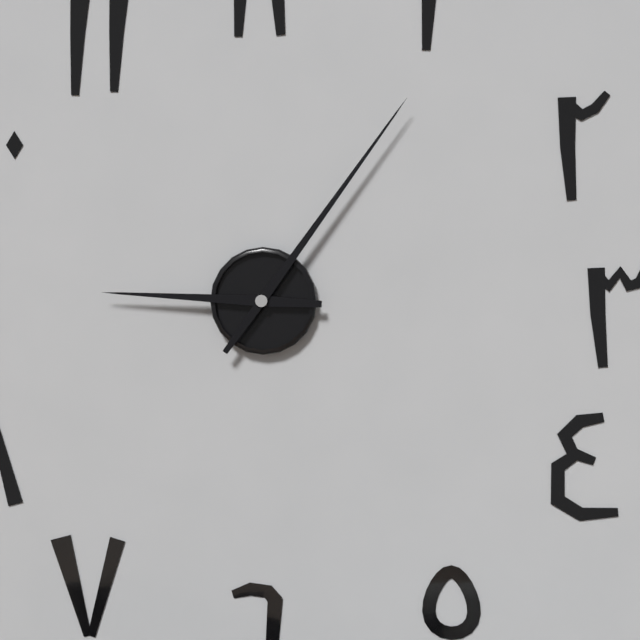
h=9 m=6
